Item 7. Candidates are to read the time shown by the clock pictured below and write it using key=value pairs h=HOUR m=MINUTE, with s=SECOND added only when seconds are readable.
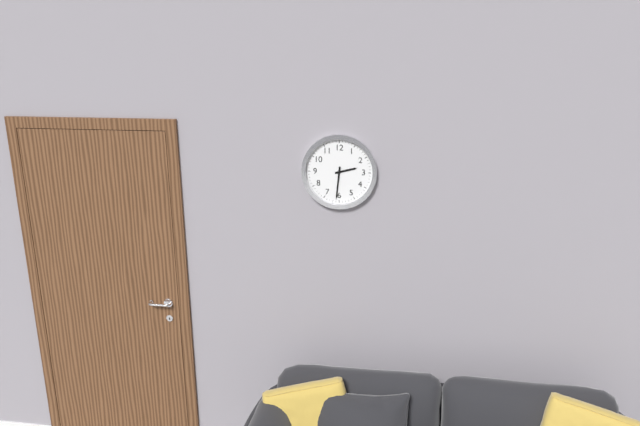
h=2 m=31
